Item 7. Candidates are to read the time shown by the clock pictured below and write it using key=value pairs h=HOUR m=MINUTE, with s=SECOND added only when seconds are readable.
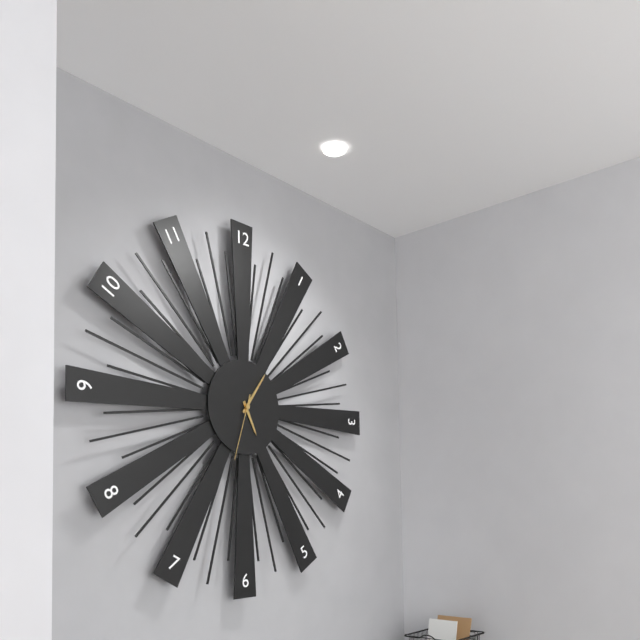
h=5 m=6 s=33
